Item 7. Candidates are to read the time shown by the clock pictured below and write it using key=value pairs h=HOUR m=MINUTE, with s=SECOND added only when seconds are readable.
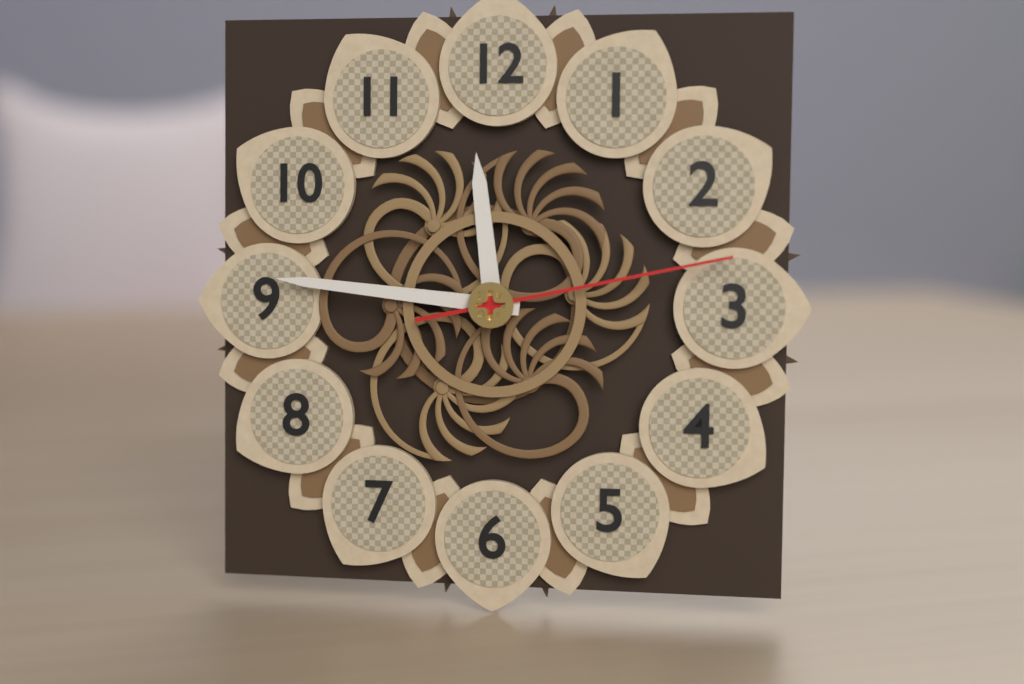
h=11 m=46 s=13
